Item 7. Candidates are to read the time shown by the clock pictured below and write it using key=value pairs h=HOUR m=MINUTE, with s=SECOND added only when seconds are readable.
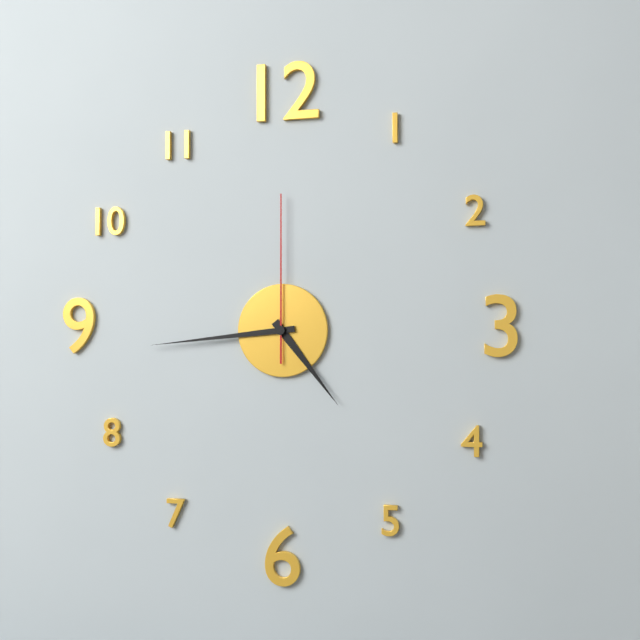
h=4 m=44 s=0
